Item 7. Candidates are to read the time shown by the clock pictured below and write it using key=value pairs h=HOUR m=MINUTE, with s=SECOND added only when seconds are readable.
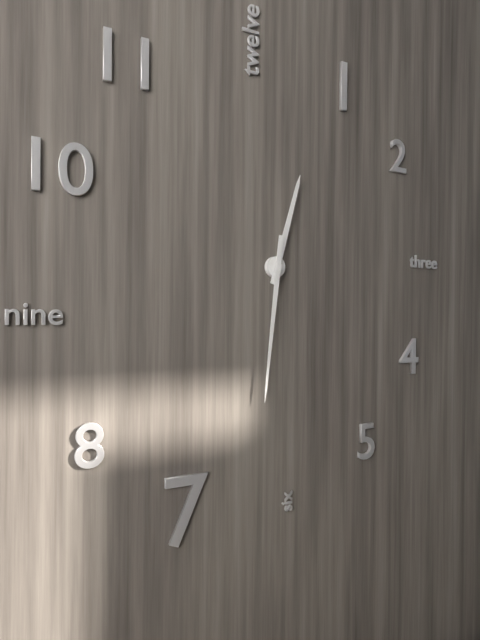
h=12 m=31
